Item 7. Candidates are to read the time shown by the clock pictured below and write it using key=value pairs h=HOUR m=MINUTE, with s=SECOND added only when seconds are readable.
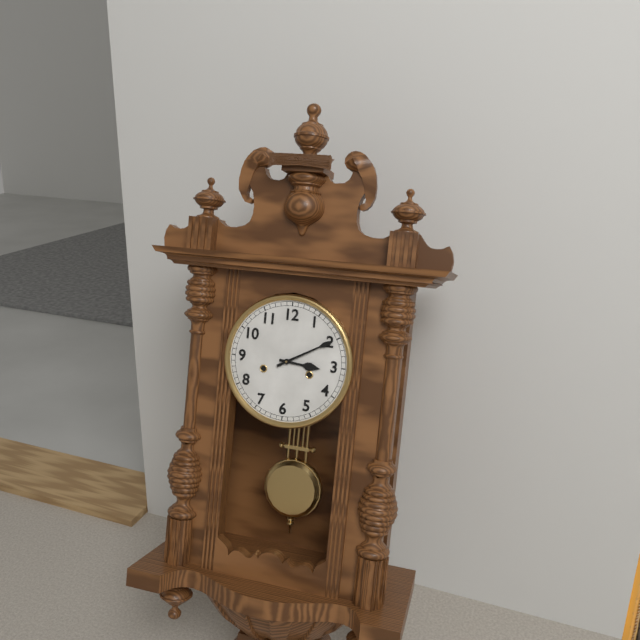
h=3 m=10
